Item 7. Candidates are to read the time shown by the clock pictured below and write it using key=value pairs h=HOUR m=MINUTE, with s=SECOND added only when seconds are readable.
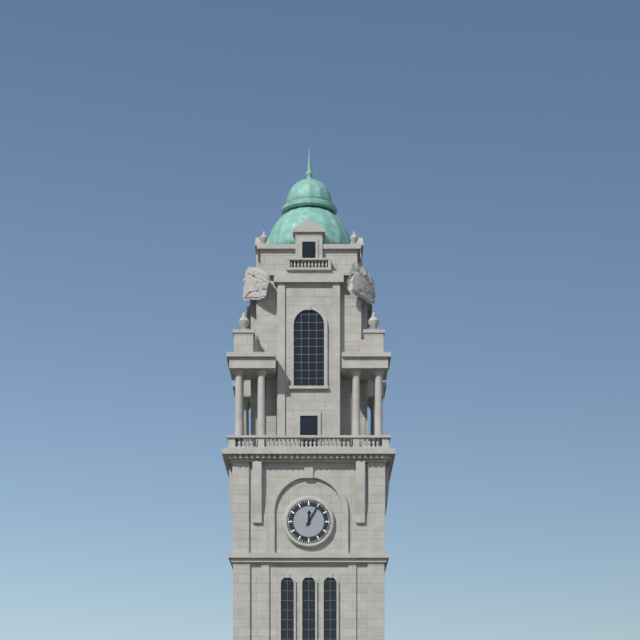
h=12 m=5
